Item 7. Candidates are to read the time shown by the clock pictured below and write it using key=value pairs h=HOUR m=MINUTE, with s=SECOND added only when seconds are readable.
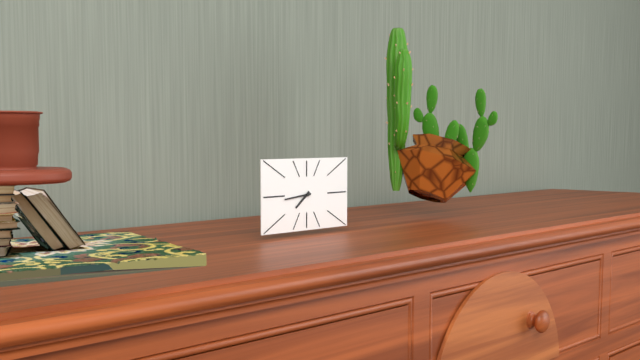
h=7 m=44
